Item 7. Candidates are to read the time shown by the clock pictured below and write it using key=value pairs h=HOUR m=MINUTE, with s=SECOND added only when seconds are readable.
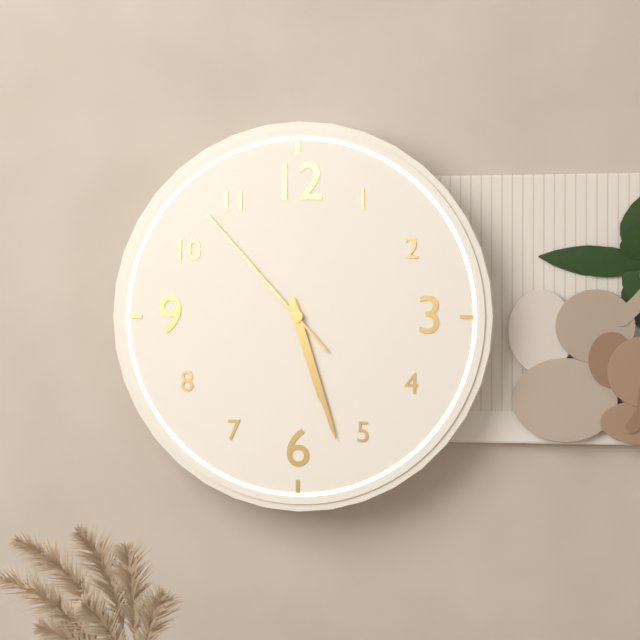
h=5 m=27 s=53
